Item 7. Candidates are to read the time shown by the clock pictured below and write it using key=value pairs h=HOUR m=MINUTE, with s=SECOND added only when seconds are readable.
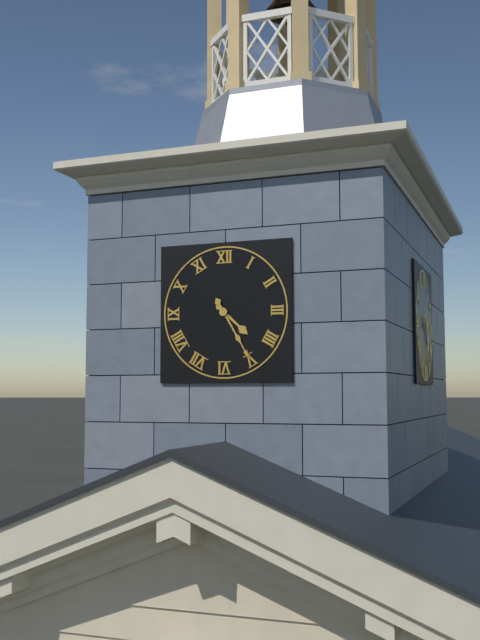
h=4 m=25
